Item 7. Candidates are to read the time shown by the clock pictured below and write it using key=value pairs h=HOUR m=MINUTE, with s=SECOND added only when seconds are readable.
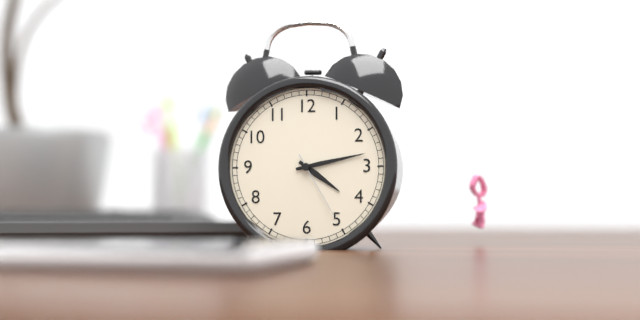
h=4 m=13 s=25
